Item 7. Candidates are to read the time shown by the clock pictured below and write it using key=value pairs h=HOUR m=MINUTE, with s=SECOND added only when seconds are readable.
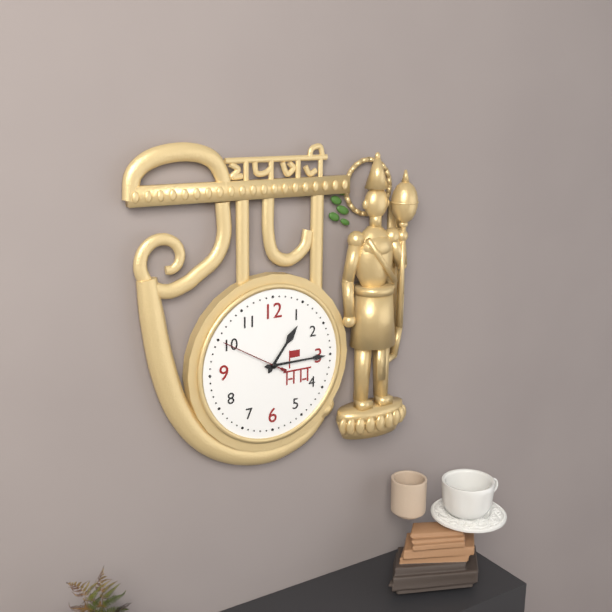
h=1 m=15 s=50
